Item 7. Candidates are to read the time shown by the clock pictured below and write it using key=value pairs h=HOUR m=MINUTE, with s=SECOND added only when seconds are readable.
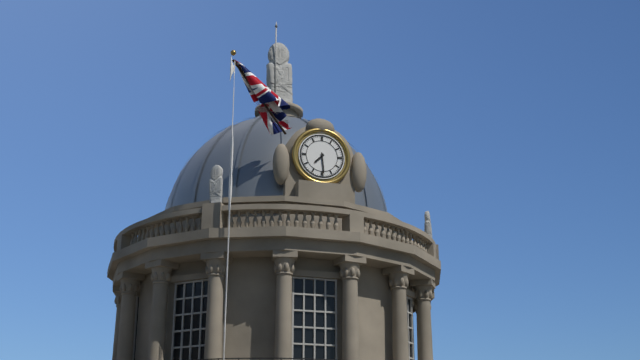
h=7 m=29
